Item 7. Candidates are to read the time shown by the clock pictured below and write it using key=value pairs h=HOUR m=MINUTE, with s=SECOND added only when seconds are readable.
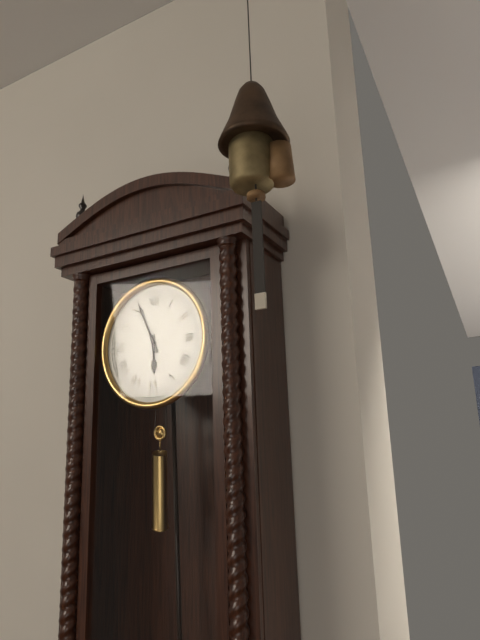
h=5 m=56
